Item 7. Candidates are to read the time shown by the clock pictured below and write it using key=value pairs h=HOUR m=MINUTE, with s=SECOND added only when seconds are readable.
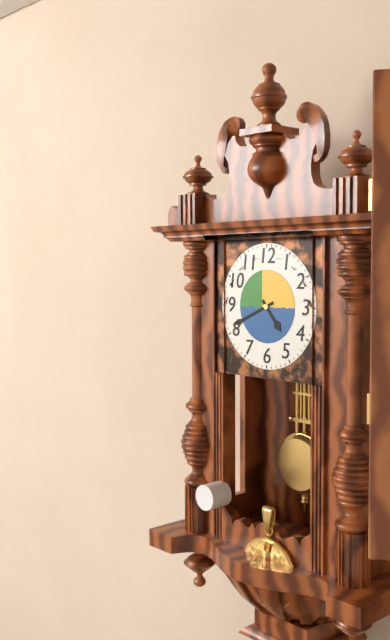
h=4 m=41
